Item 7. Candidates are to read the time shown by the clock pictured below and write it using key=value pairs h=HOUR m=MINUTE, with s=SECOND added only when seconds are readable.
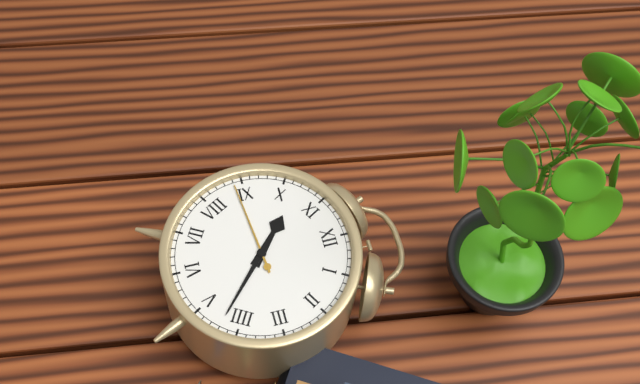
h=10 m=22 s=44
